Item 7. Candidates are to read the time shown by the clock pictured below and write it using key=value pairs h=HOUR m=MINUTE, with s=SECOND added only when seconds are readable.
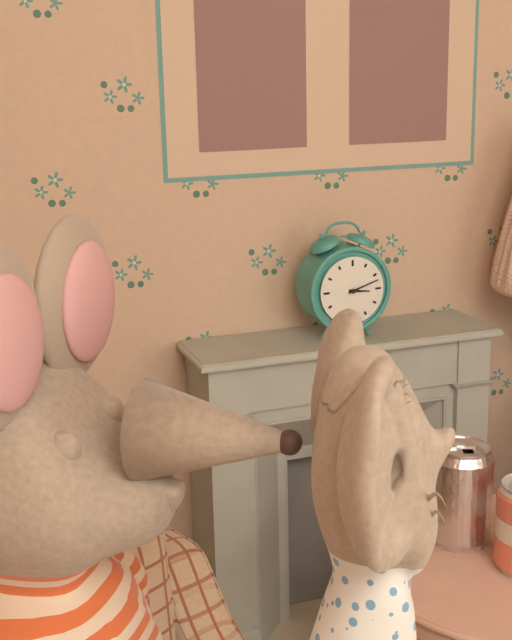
h=3 m=12
